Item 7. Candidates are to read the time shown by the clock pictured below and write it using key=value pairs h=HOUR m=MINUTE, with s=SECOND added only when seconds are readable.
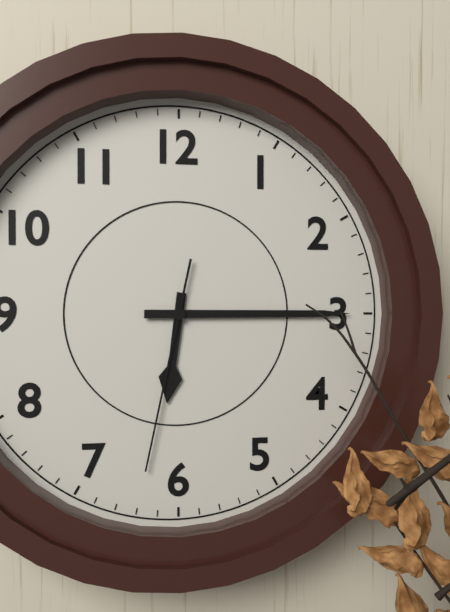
h=6 m=15 s=32
